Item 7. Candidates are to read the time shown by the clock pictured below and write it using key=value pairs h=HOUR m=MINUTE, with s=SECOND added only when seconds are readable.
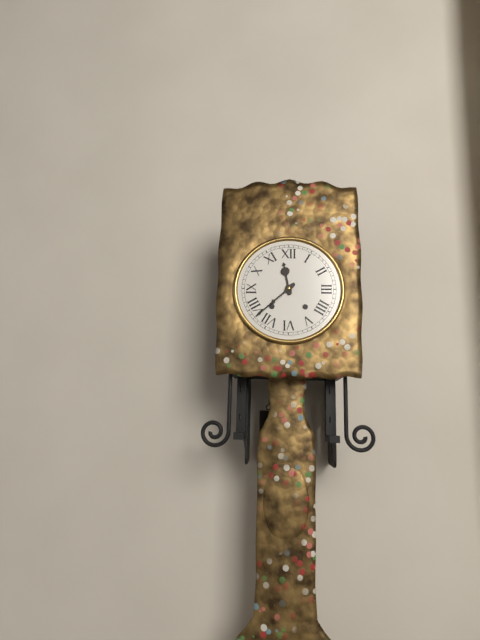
h=11 m=38
